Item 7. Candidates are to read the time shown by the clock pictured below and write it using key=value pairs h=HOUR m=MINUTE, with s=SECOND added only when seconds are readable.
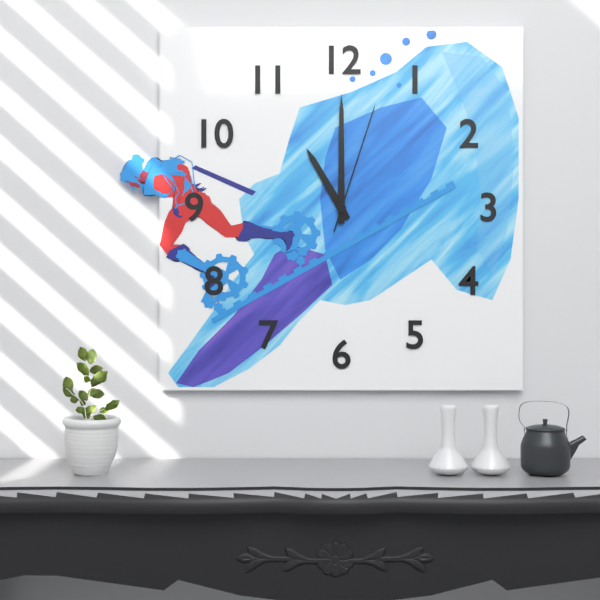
h=11 m=0 s=3
